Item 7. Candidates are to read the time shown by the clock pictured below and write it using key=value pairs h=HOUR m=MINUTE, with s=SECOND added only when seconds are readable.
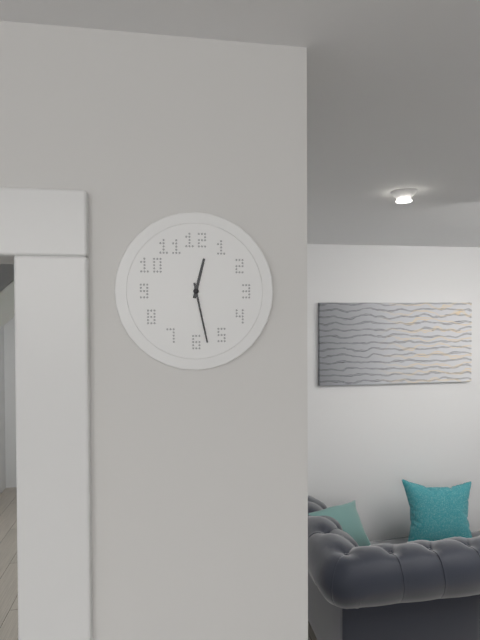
h=12 m=28
